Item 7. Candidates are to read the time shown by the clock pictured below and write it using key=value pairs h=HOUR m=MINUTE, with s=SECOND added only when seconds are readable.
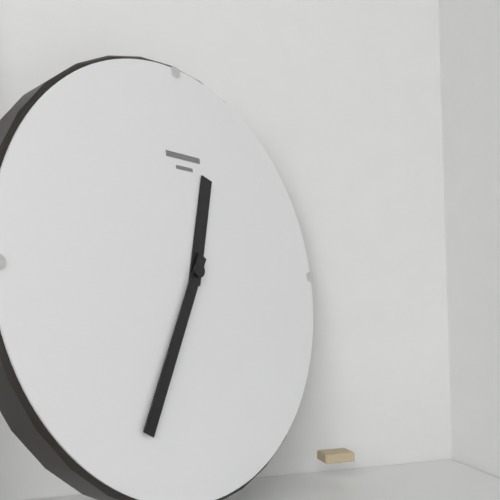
h=12 m=35
